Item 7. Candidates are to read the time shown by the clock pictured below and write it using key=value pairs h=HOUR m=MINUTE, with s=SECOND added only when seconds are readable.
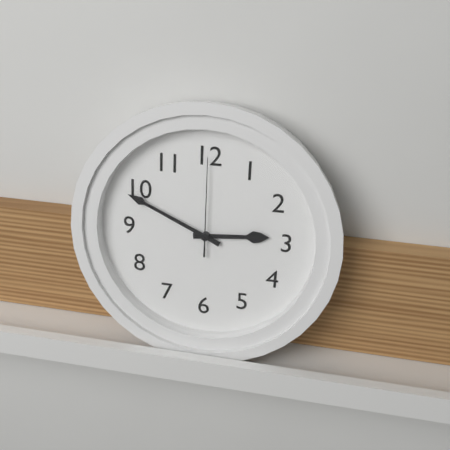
h=2 m=49 s=0
